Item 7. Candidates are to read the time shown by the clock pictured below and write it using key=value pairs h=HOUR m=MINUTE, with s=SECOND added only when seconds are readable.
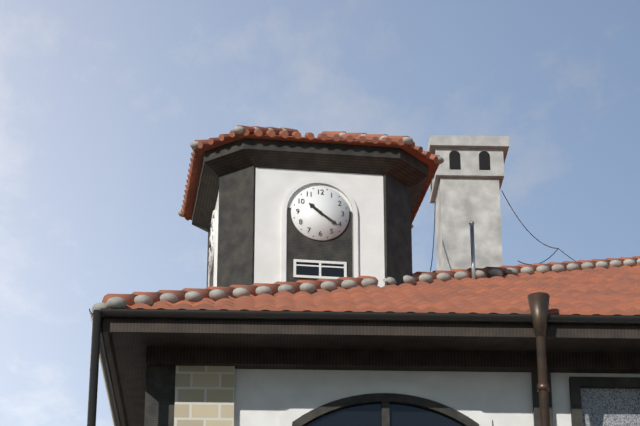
h=10 m=21
